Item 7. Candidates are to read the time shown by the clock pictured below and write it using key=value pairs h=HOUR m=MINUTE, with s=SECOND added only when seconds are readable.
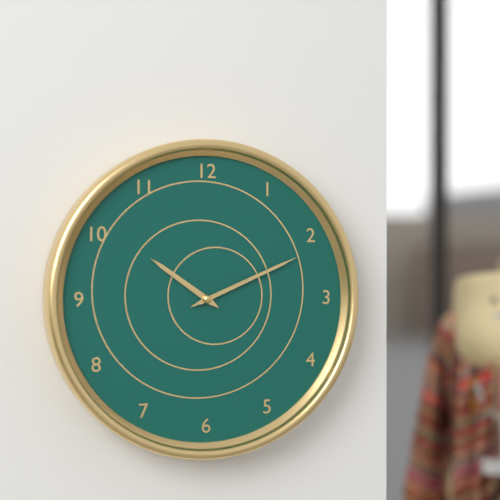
h=10 m=11
